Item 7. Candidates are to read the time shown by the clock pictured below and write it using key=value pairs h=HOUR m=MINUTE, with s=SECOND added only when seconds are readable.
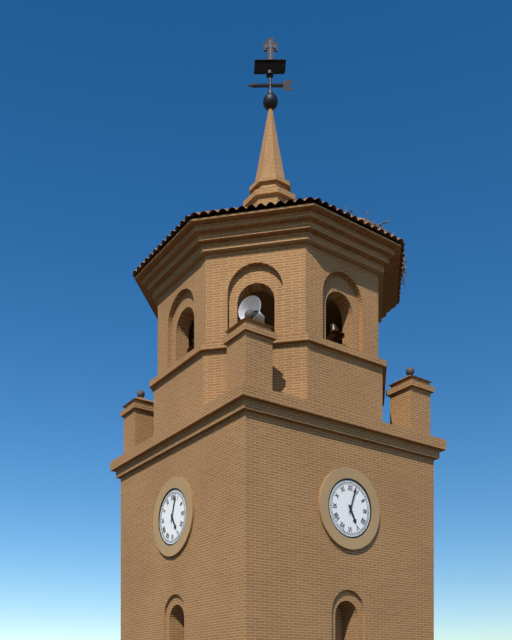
h=5 m=3
